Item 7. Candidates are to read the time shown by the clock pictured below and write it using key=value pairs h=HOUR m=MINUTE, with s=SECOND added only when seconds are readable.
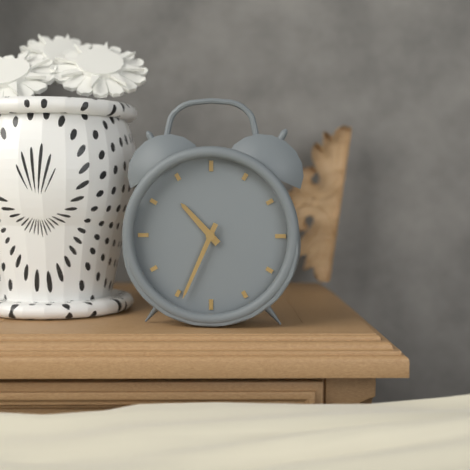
h=10 m=34
